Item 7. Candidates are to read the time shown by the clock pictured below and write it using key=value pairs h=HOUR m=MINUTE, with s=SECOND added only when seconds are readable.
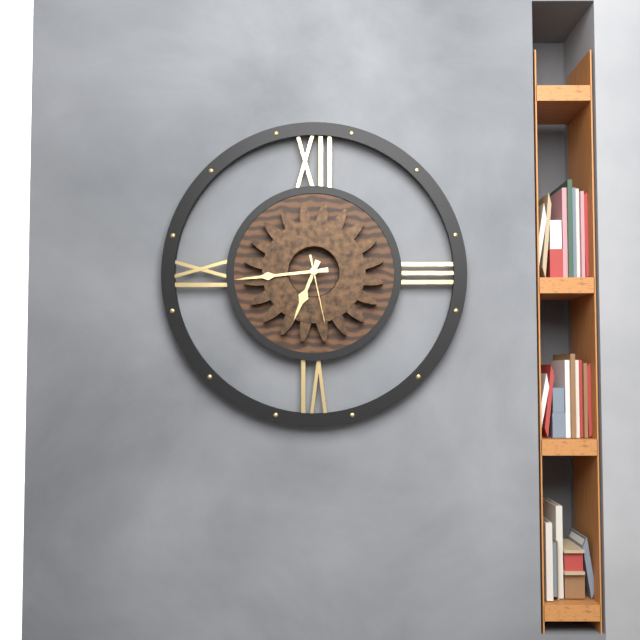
h=6 m=44 s=28
